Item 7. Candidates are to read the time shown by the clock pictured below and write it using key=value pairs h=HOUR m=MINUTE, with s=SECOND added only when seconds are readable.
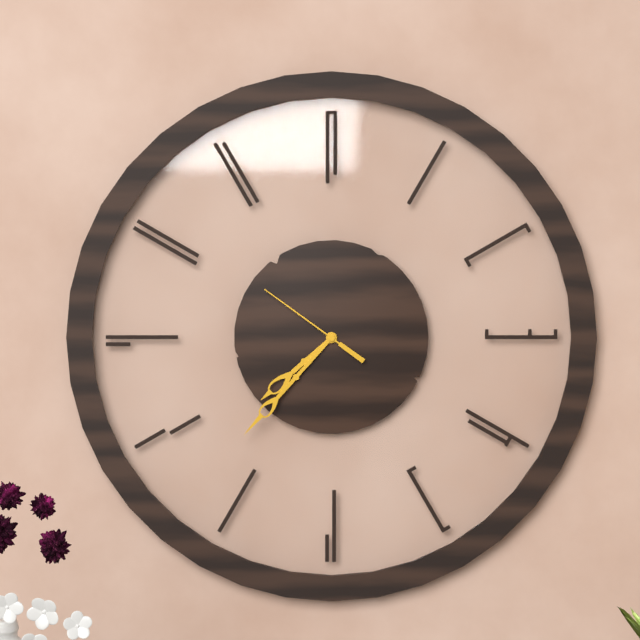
h=7 m=37 s=51
